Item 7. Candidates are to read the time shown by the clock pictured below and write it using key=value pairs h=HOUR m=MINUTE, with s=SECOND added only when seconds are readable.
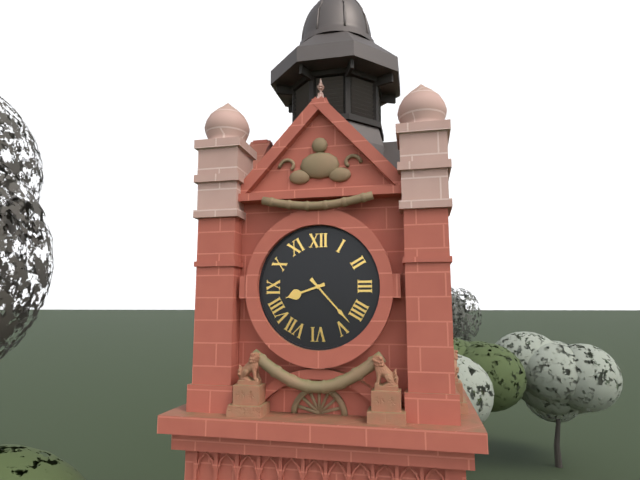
h=8 m=23
